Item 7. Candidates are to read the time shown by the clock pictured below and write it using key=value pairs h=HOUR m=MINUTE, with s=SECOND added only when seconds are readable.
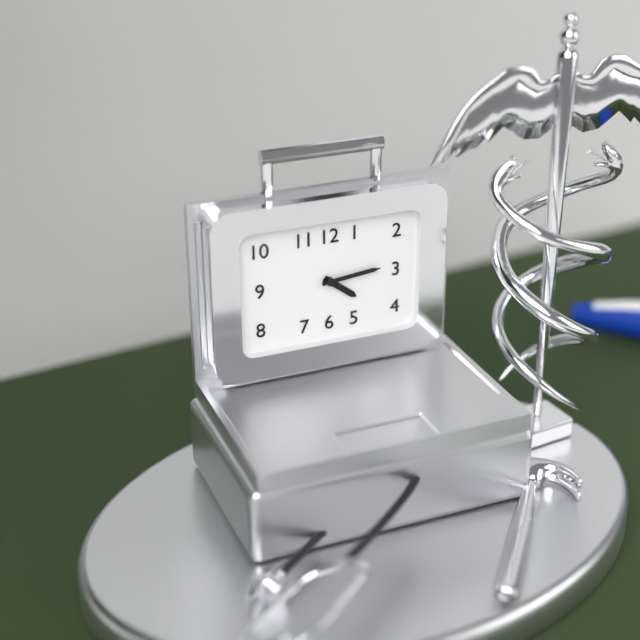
h=4 m=14
